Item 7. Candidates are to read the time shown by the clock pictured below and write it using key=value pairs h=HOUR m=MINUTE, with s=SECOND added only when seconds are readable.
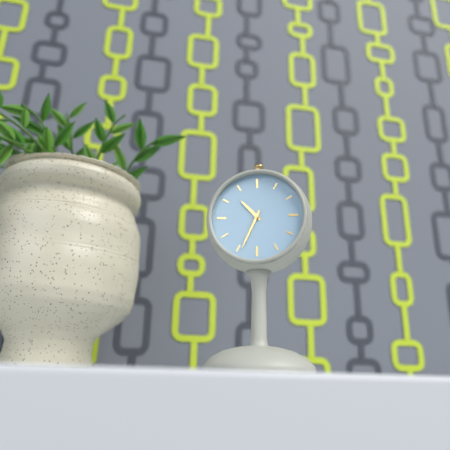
h=10 m=34
